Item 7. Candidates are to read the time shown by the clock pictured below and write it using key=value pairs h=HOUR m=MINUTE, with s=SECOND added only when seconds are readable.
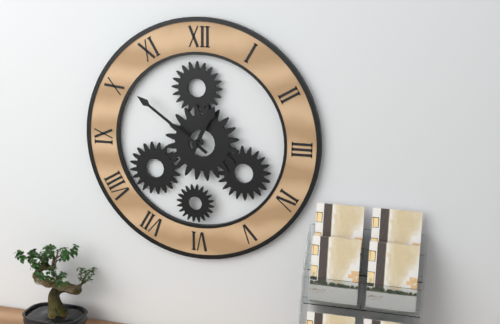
h=12 m=51
